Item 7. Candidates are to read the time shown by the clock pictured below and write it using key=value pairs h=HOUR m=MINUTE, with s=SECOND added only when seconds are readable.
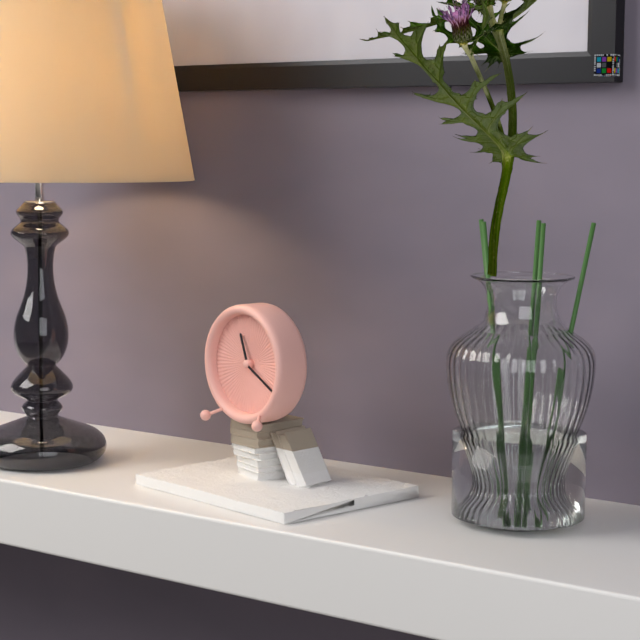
h=11 m=20
